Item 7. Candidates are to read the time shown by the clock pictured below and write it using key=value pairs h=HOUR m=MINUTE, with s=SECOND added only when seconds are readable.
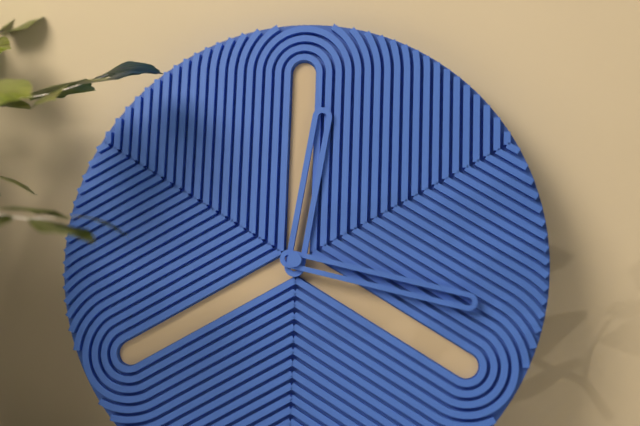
h=12 m=17
